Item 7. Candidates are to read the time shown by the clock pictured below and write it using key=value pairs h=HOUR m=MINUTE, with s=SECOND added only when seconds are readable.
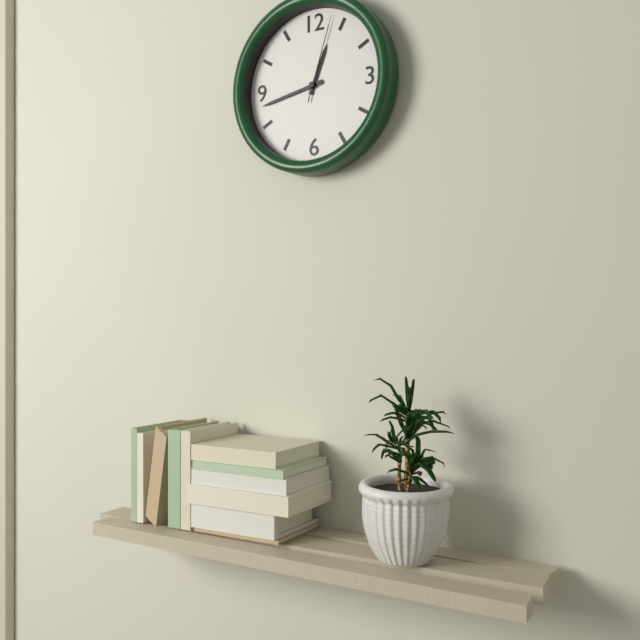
h=12 m=43 s=3
